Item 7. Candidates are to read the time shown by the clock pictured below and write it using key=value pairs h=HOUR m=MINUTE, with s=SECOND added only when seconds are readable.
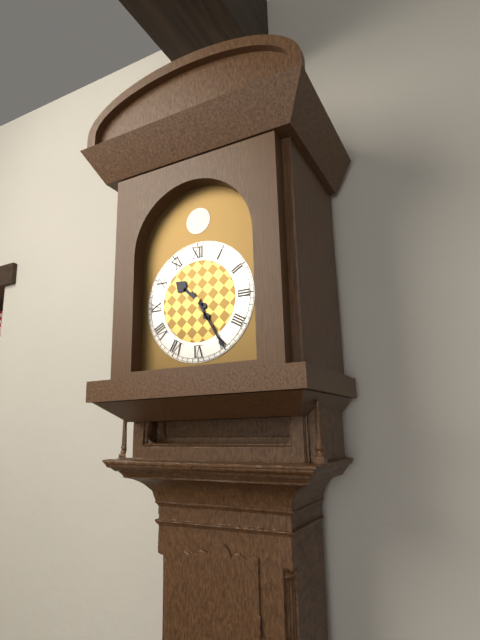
h=10 m=25
